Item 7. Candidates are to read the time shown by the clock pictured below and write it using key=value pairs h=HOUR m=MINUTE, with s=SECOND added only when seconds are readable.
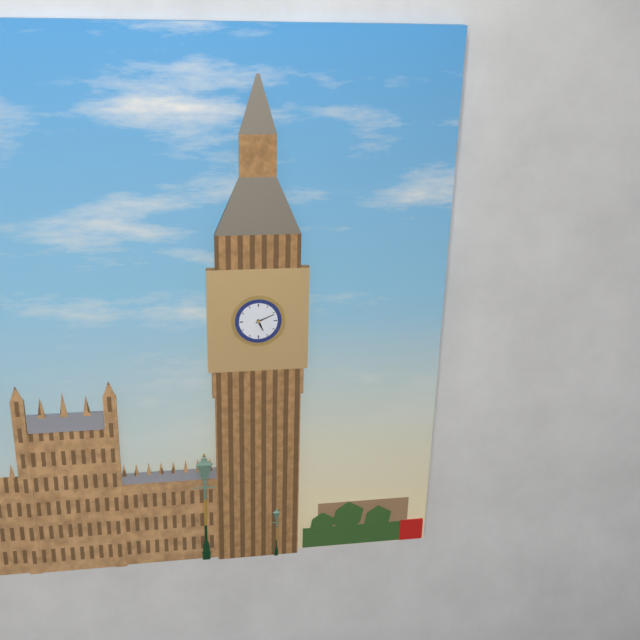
h=5 m=11
